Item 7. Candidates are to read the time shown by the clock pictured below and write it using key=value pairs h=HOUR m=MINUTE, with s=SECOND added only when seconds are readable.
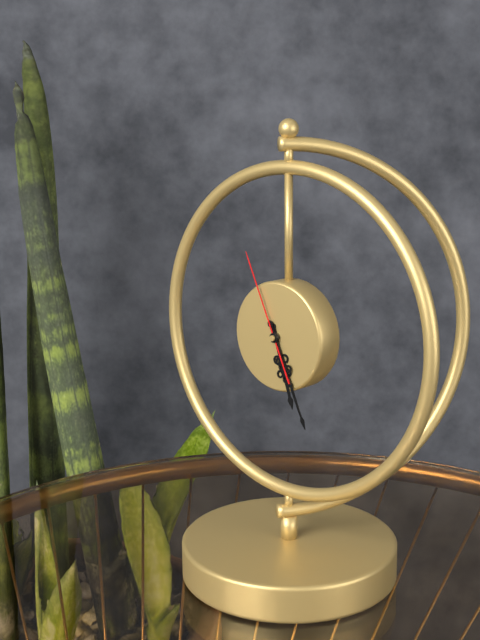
h=5 m=26 s=56
